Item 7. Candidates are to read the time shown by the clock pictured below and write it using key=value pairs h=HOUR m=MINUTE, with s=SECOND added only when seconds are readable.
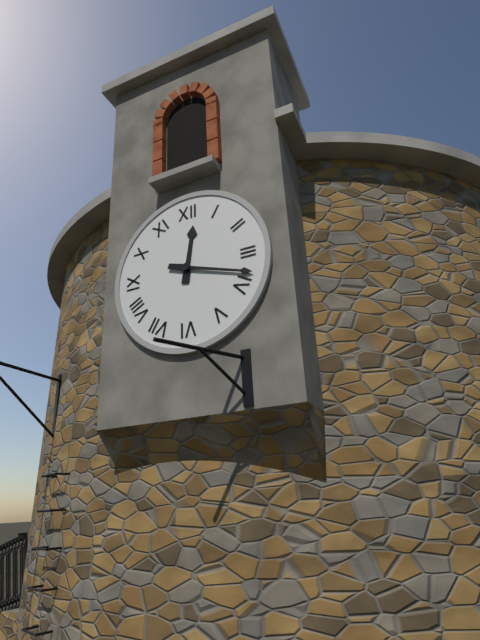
h=12 m=18
